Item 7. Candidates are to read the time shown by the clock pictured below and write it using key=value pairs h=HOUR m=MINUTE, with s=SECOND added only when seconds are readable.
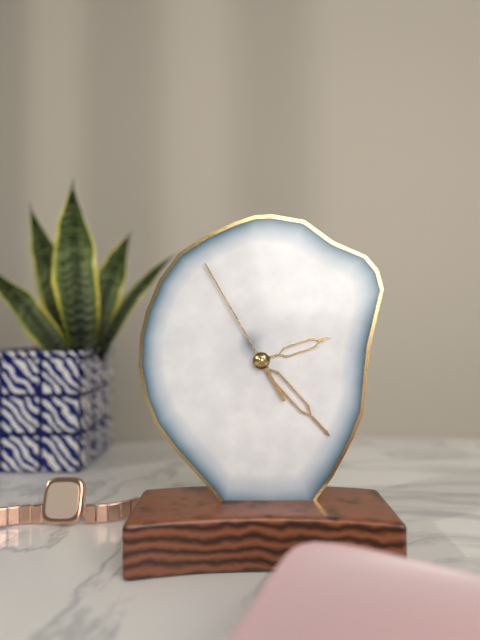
h=2 m=23 s=55
